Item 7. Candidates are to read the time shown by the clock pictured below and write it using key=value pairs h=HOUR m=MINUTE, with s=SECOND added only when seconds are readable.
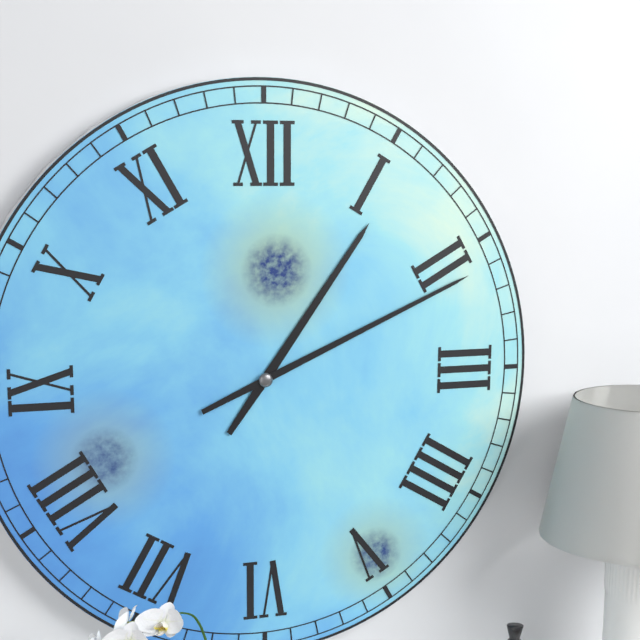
h=1 m=11
